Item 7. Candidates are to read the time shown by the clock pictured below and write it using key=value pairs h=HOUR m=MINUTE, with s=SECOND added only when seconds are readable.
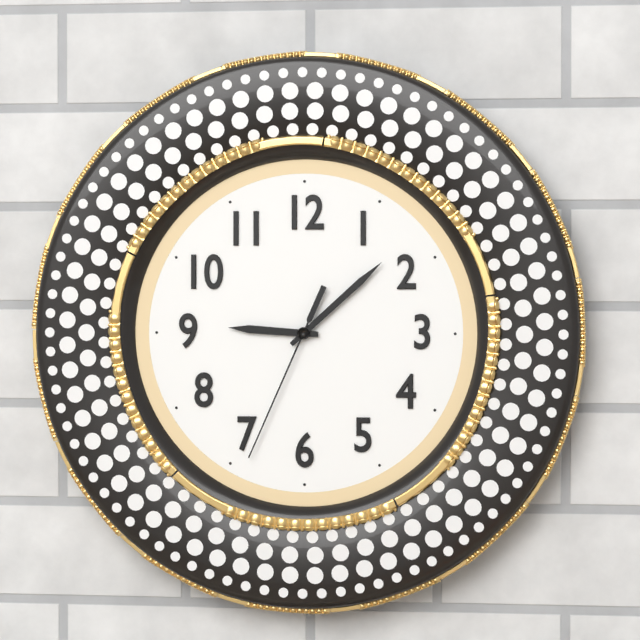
h=9 m=8 s=34
